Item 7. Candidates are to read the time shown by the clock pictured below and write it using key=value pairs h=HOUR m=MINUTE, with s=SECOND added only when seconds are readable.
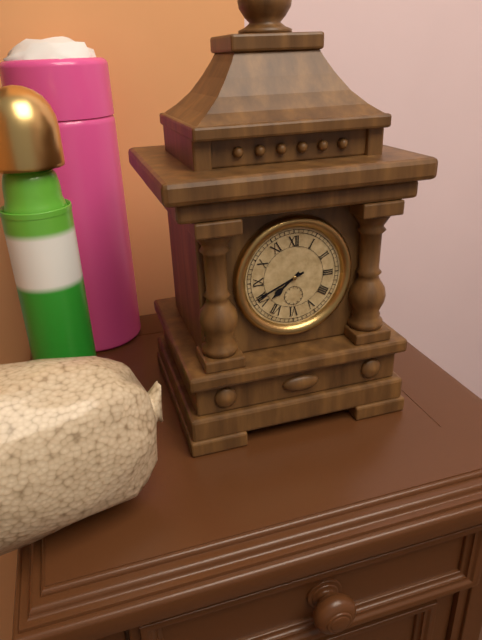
h=7 m=41
